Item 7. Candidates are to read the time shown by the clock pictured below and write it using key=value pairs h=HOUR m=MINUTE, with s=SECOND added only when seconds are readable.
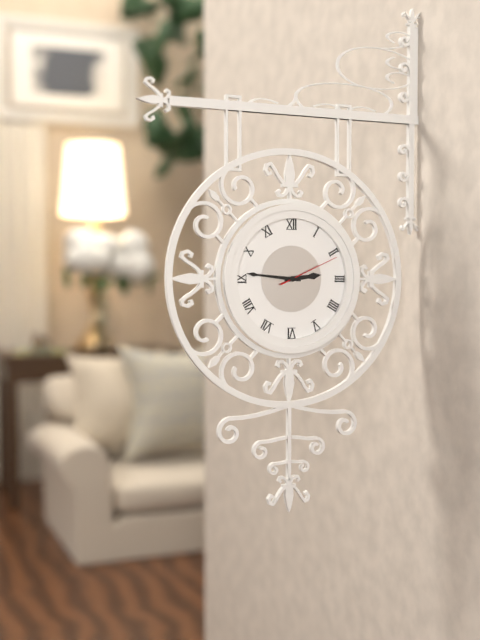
h=2 m=46 s=11
